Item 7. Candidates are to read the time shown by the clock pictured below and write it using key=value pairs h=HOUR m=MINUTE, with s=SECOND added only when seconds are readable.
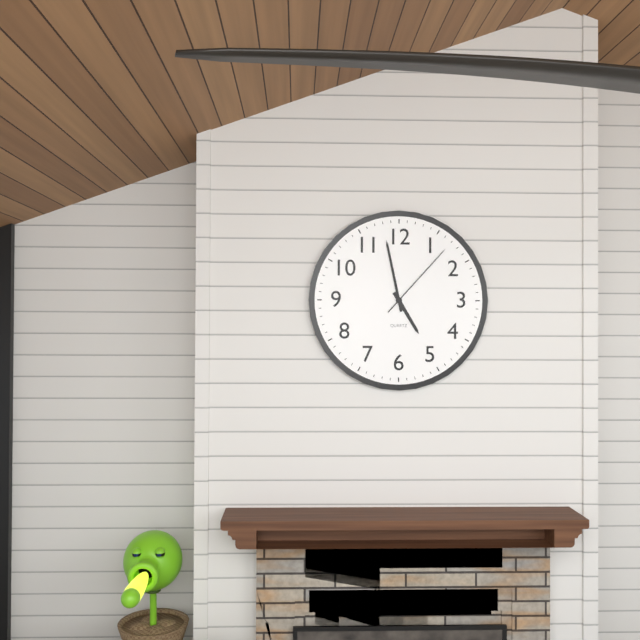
h=4 m=58 s=7
